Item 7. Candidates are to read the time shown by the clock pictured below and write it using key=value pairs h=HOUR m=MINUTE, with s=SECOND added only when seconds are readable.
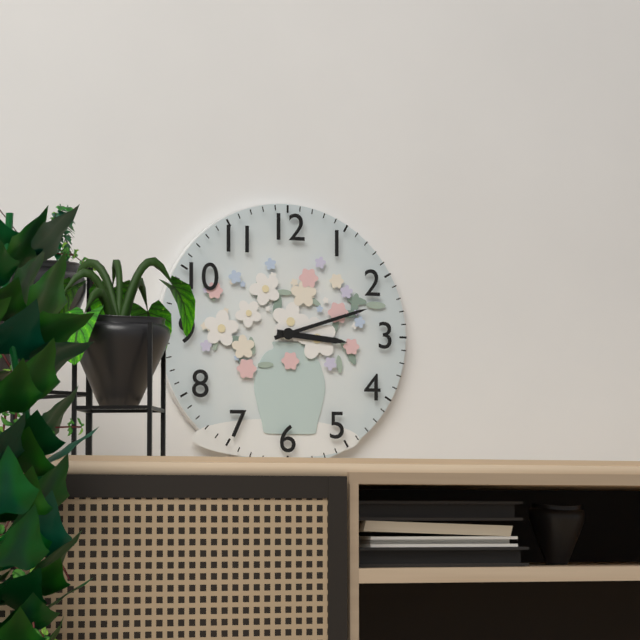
h=3 m=12
